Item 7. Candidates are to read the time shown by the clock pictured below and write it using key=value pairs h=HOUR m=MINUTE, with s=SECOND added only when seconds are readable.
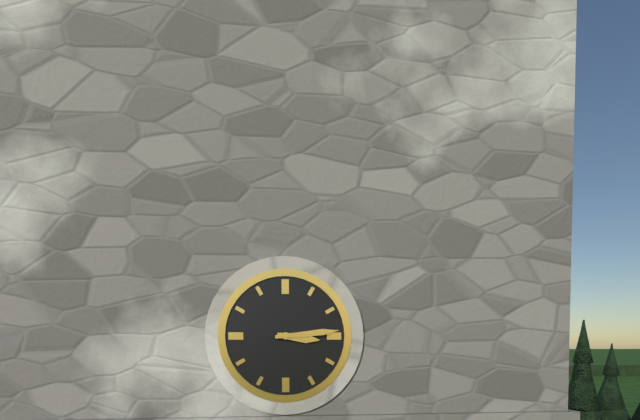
h=3 m=14
